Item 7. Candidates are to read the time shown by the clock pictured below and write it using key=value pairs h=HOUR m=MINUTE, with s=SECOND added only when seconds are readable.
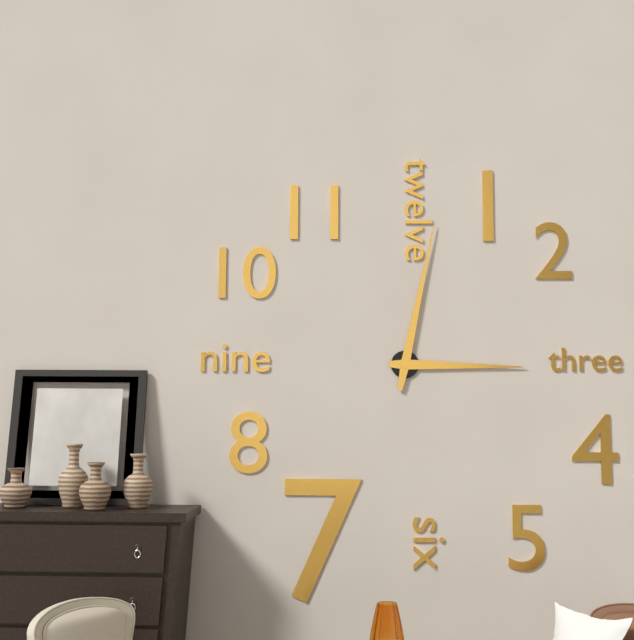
h=3 m=2
